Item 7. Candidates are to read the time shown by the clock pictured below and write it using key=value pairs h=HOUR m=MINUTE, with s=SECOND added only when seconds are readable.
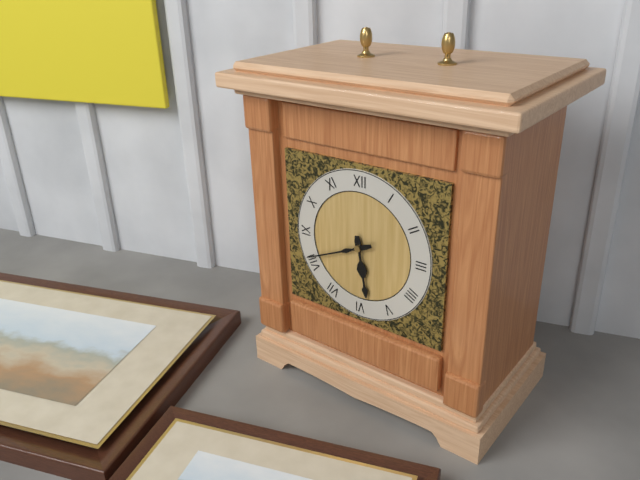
h=5 m=41
